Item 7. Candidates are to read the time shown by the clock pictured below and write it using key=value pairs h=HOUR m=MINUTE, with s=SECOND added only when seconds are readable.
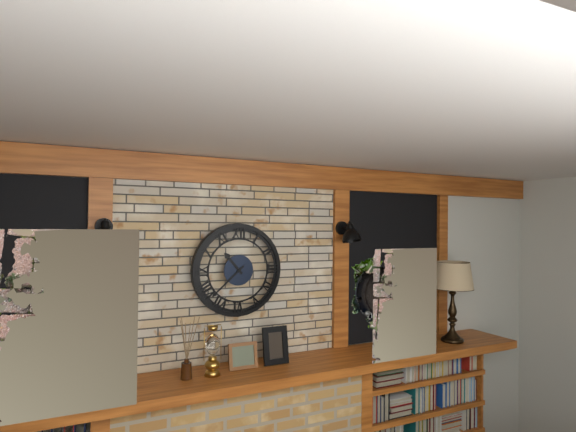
h=10 m=38
